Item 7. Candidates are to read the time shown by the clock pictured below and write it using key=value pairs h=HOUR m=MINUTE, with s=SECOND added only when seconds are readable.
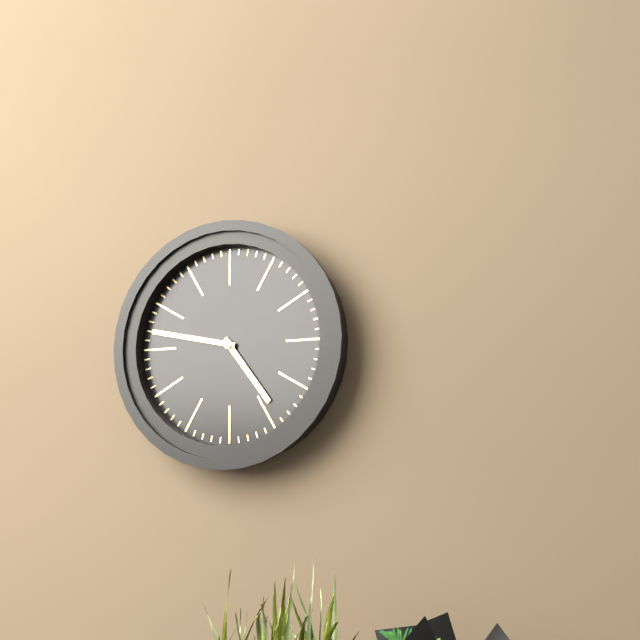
h=4 m=47
